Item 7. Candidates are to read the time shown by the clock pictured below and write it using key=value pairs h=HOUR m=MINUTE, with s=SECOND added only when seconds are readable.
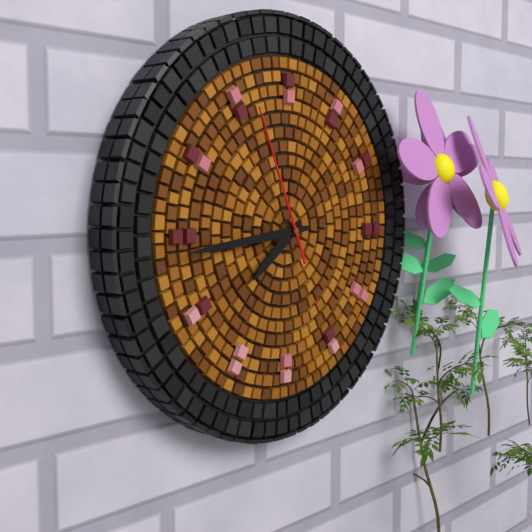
h=7 m=44 s=56
